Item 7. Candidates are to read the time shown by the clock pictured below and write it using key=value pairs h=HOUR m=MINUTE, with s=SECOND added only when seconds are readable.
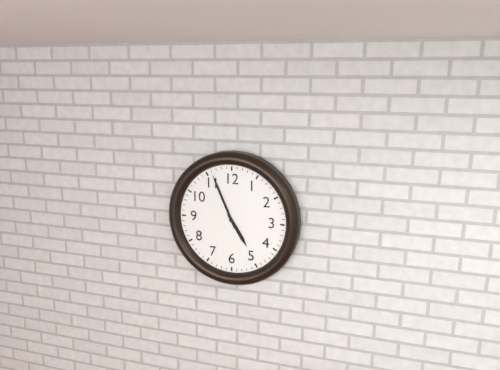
h=4 m=56
